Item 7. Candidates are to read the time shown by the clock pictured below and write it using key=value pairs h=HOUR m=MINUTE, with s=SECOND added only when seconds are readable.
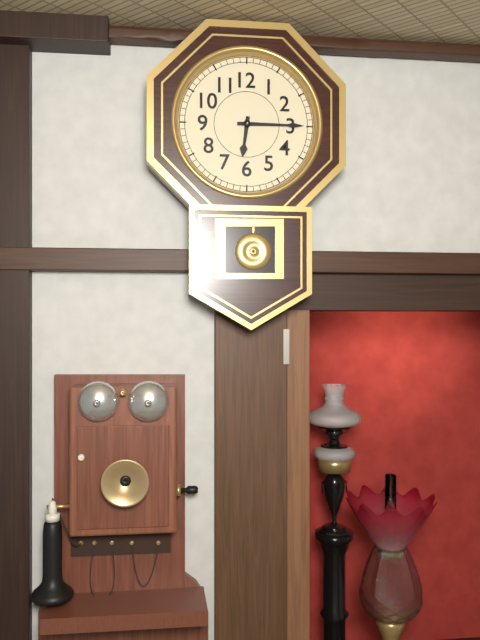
h=6 m=15
